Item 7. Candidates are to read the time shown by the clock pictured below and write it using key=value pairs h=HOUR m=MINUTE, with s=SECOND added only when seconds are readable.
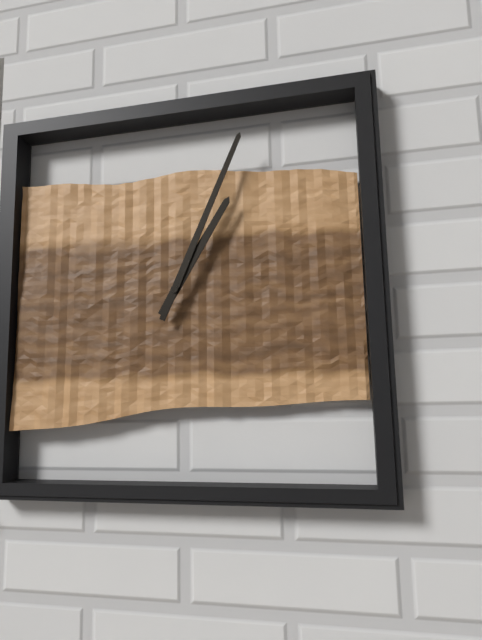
h=1 m=4
